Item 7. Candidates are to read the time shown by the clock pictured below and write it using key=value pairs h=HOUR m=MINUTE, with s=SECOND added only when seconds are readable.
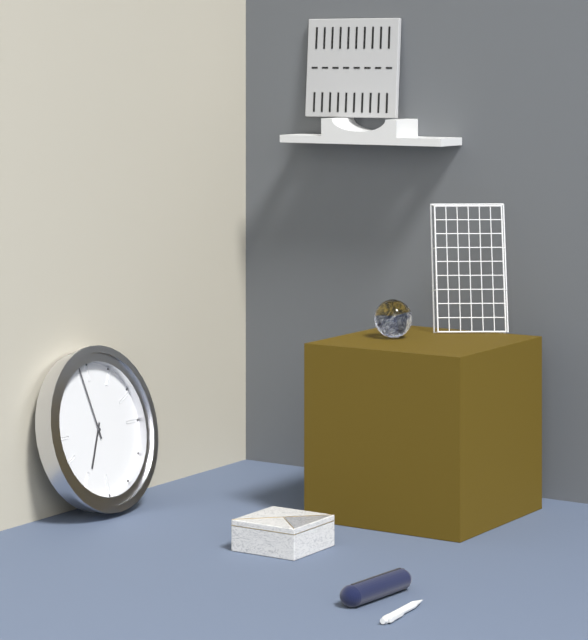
h=6 m=58
